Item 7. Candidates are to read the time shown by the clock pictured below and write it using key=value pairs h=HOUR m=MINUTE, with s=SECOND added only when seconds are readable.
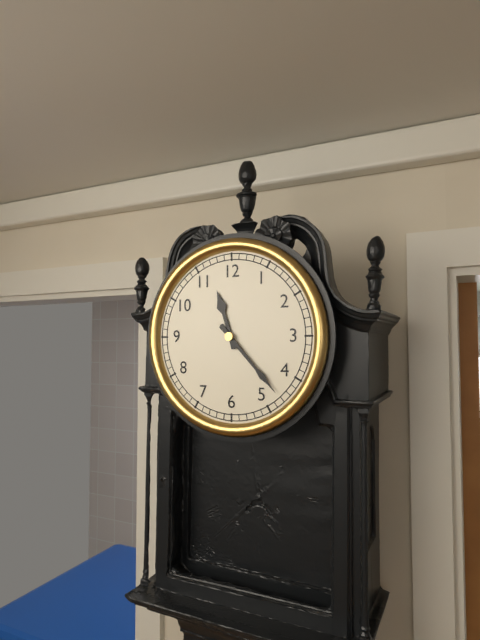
h=11 m=23
